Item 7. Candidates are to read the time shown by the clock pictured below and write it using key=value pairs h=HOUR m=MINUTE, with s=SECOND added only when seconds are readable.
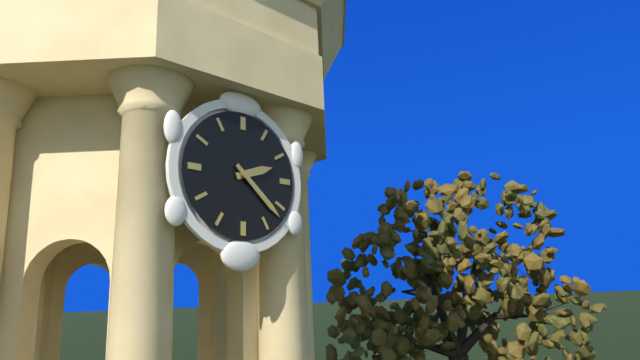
h=2 m=22
